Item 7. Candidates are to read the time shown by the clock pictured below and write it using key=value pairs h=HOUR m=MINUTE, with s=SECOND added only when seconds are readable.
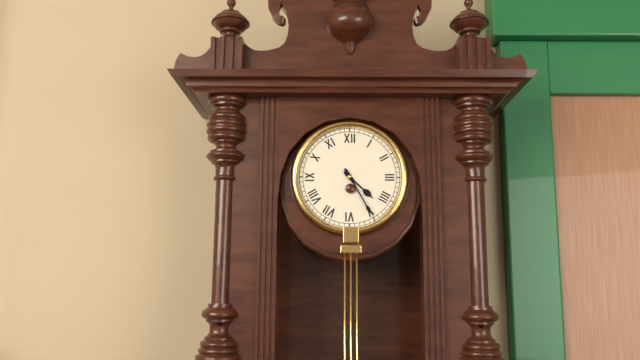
h=4 m=25
